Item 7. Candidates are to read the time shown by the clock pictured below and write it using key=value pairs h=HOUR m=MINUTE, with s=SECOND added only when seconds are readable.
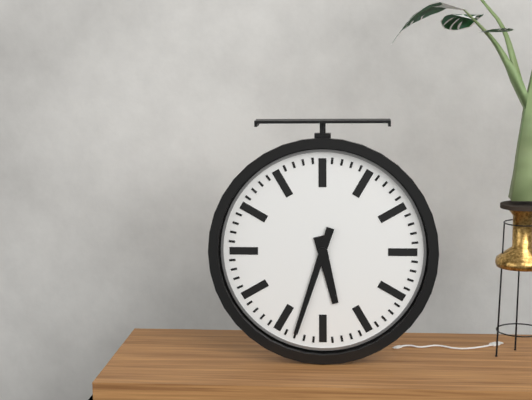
h=5 m=33
